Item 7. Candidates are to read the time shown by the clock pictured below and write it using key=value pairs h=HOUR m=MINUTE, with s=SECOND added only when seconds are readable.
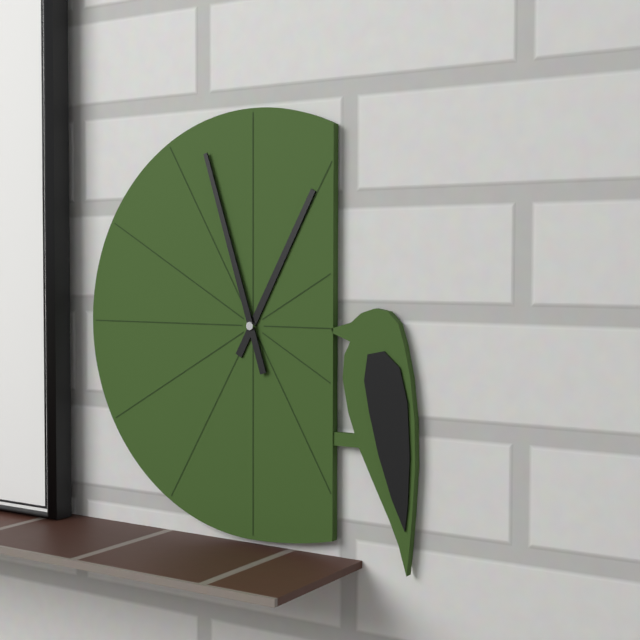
h=12 m=57
